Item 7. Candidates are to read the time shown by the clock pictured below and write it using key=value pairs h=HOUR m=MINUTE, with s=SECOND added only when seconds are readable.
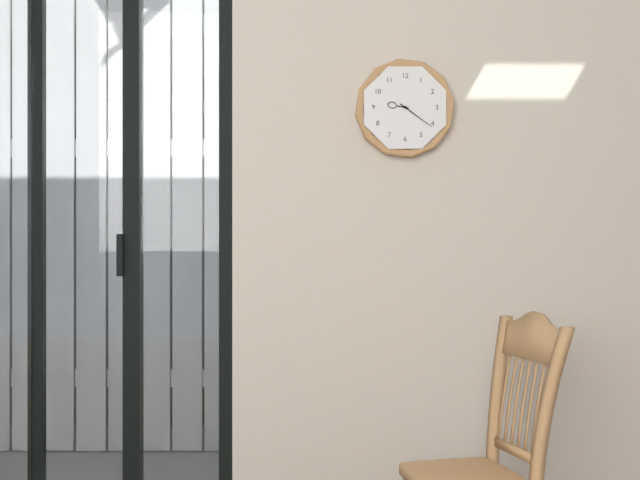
h=9 m=21
